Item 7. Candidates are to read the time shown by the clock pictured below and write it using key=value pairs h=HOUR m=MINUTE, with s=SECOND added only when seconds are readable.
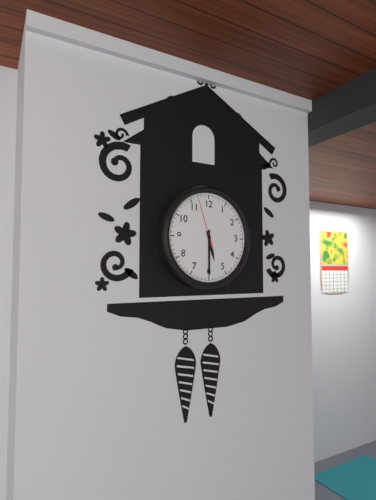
h=5 m=30 s=57
